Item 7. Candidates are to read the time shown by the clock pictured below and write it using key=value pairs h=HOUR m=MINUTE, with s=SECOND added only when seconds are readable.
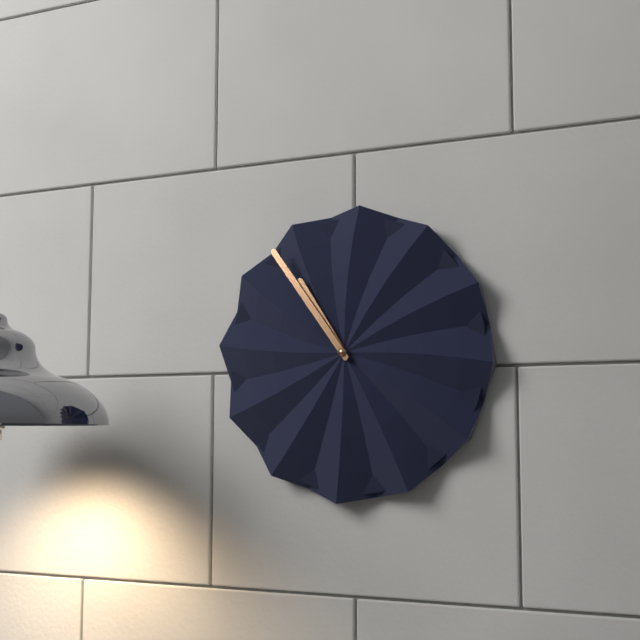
h=10 m=54
